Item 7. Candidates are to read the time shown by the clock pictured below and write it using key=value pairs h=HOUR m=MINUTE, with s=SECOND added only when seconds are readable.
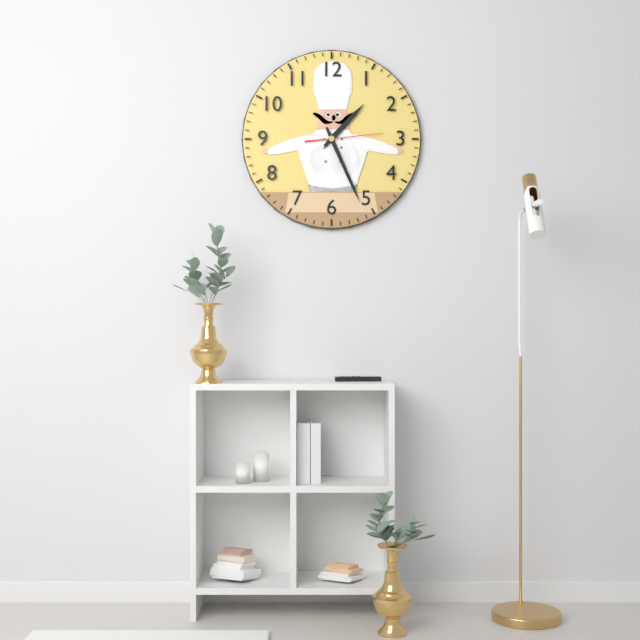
h=1 m=26 s=14
